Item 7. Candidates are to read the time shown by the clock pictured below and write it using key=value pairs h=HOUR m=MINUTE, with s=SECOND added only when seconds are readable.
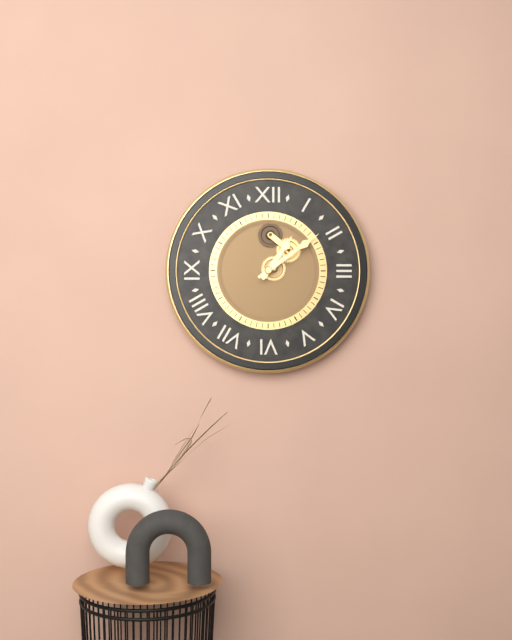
h=1 m=9
